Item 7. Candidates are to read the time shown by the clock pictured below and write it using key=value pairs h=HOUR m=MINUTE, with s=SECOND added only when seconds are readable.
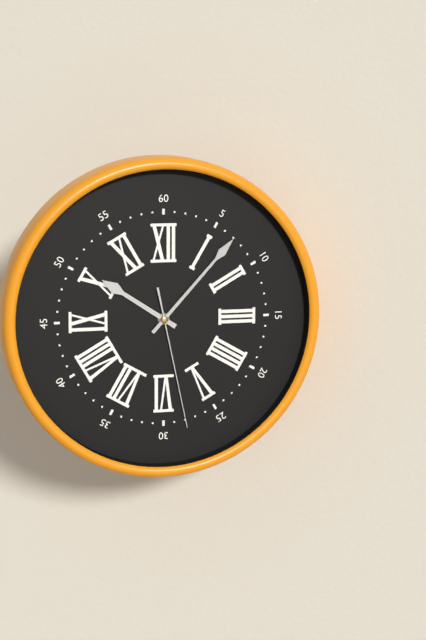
h=10 m=7 s=28
